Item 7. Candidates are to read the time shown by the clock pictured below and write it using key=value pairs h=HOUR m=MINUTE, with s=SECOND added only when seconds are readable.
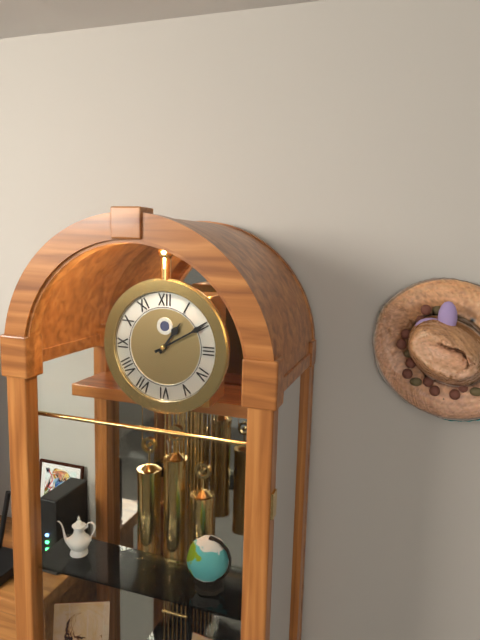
h=1 m=10
